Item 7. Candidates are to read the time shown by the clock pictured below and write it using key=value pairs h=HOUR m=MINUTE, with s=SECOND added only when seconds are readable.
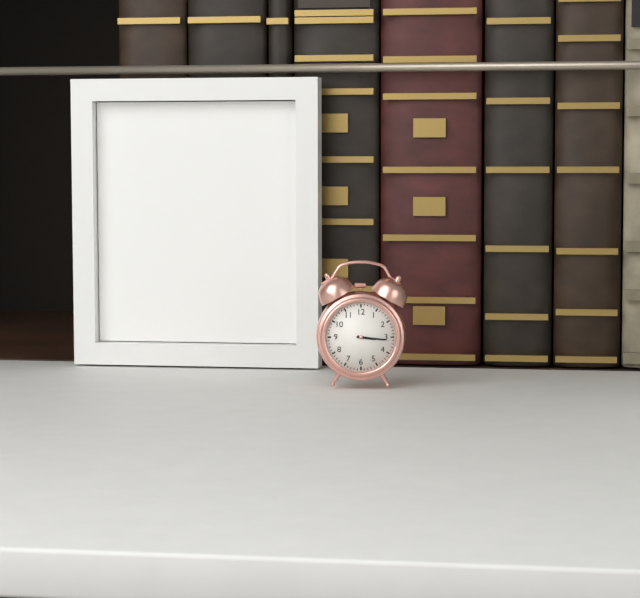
h=3 m=16
